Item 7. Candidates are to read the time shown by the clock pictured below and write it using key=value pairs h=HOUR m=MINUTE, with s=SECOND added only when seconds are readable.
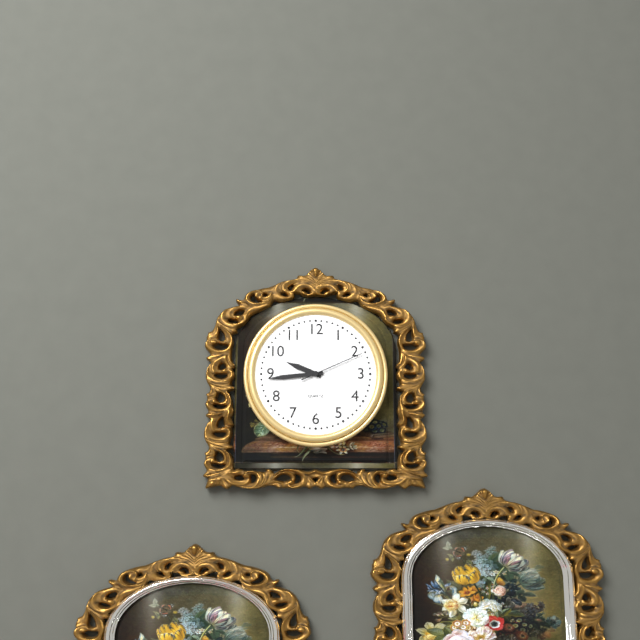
h=9 m=44 s=11
